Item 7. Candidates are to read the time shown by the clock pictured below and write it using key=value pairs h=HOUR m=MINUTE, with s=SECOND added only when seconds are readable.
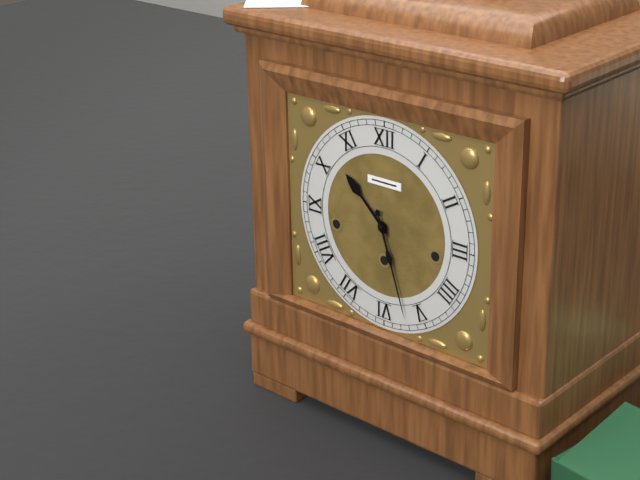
h=10 m=27
